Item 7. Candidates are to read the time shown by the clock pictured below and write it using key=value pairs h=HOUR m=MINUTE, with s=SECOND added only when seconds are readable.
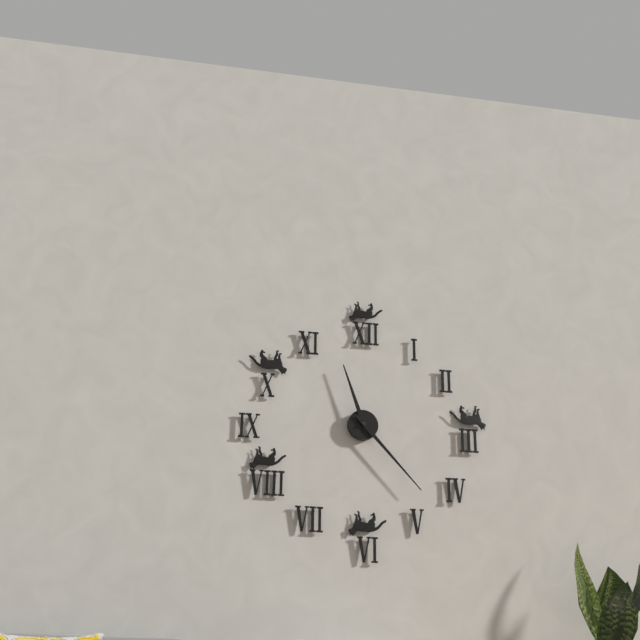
h=11 m=23
